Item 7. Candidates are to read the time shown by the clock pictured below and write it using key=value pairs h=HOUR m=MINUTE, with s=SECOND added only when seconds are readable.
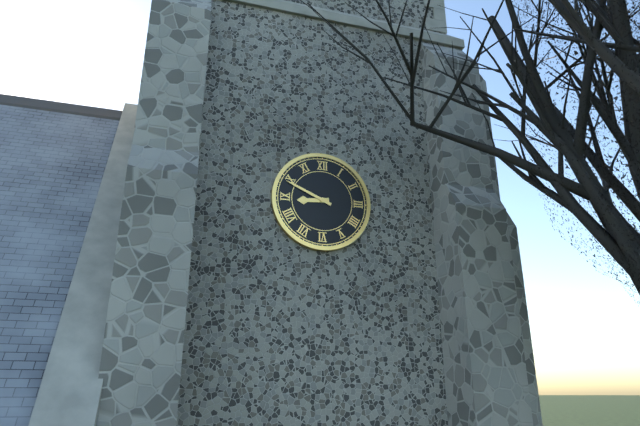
h=8 m=49
